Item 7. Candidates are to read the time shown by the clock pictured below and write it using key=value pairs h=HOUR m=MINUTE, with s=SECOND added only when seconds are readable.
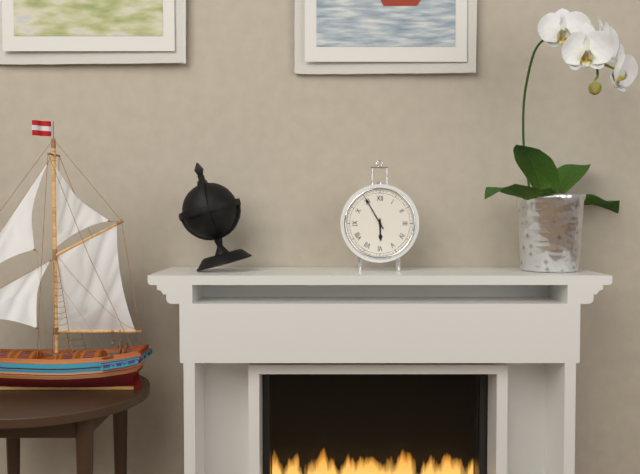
h=5 m=55
